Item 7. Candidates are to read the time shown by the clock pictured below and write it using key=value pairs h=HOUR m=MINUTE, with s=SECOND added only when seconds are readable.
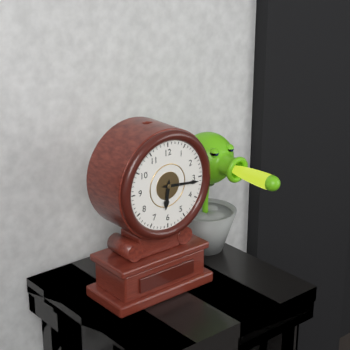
h=6 m=16
